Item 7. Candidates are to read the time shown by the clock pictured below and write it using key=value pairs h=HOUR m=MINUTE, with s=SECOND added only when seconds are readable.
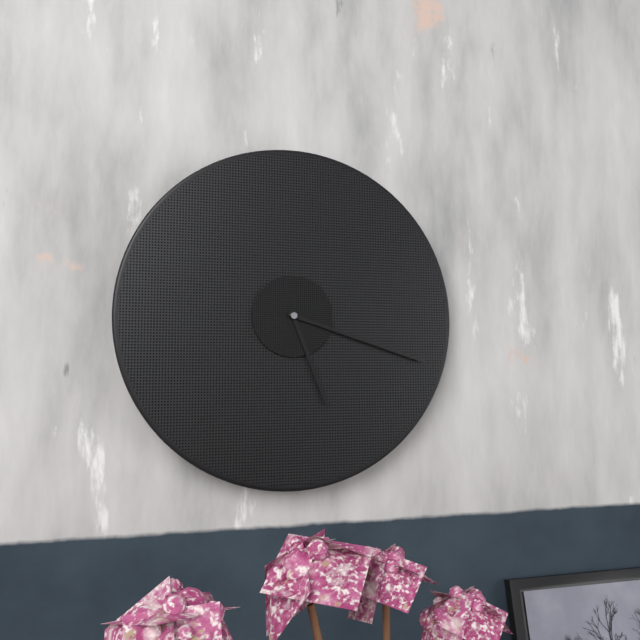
h=5 m=18
